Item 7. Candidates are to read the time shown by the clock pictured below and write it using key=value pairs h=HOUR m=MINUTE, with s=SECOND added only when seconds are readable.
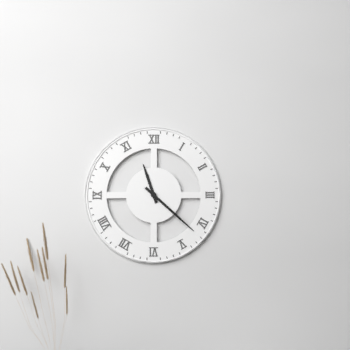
h=11 m=22
